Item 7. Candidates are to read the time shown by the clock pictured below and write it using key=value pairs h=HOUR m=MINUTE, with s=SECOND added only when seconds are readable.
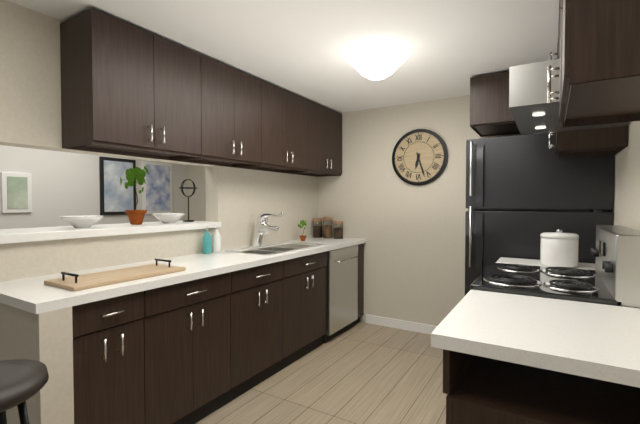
h=6 m=27
